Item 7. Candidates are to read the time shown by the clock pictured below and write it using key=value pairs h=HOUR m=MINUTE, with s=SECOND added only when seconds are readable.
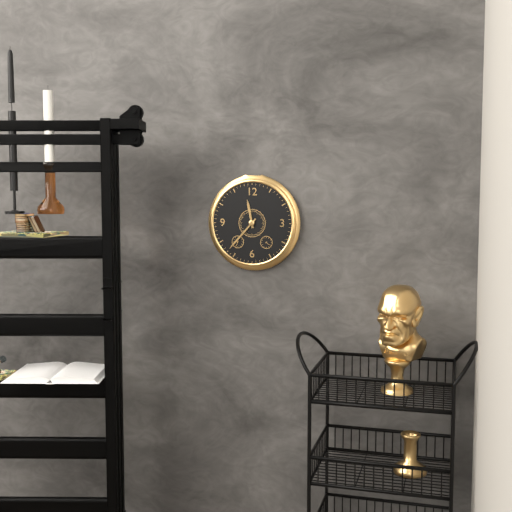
h=11 m=37
